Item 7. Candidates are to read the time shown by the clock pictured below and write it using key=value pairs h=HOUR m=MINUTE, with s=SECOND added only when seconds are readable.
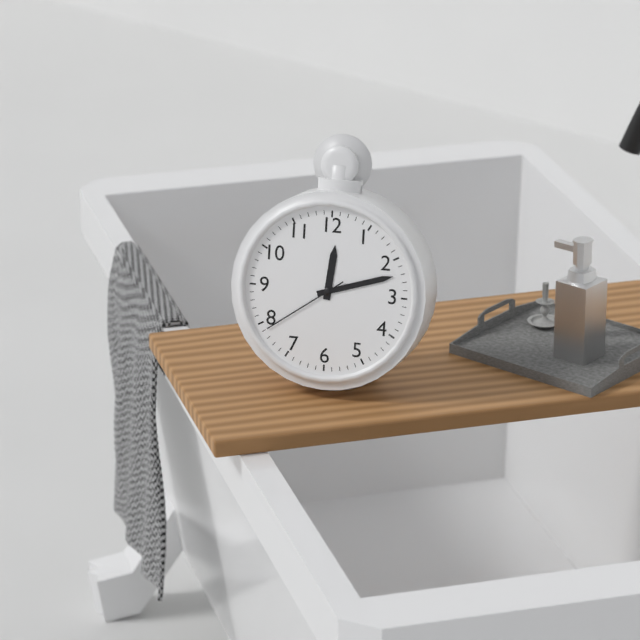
h=12 m=12 s=39
